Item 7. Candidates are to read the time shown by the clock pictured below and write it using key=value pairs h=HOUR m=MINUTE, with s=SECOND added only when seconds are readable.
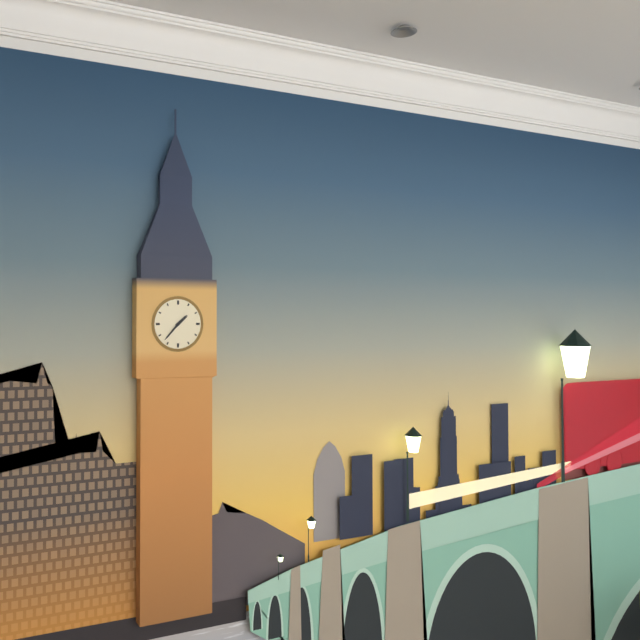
h=1 m=37
